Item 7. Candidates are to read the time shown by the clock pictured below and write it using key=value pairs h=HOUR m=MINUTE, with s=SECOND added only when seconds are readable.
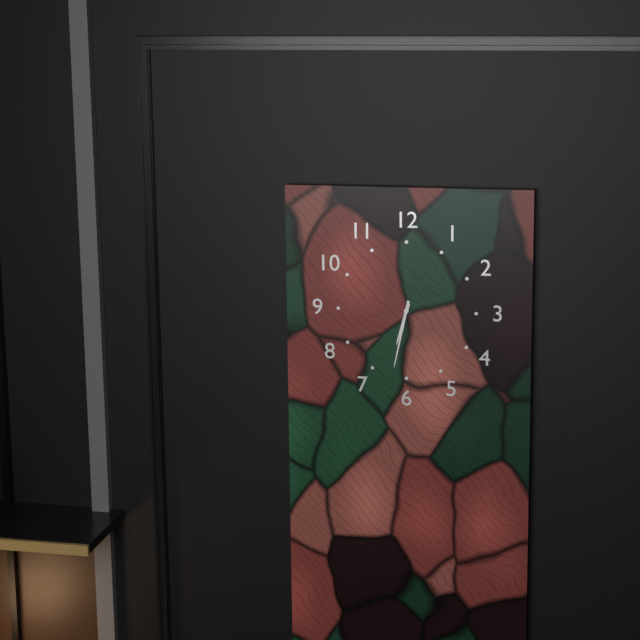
h=6 m=32
